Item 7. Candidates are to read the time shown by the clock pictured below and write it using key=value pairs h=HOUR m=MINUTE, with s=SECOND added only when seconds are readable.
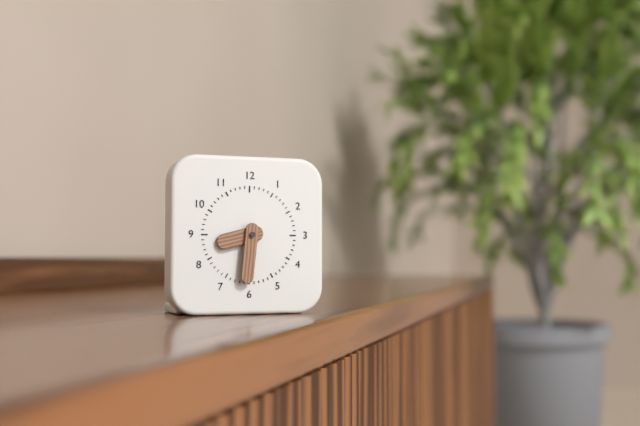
h=8 m=31
